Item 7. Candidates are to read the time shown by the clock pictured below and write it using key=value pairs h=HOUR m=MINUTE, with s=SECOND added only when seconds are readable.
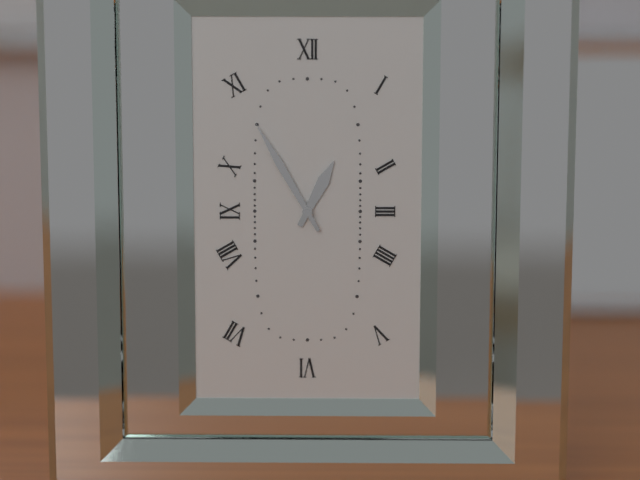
h=12 m=55
